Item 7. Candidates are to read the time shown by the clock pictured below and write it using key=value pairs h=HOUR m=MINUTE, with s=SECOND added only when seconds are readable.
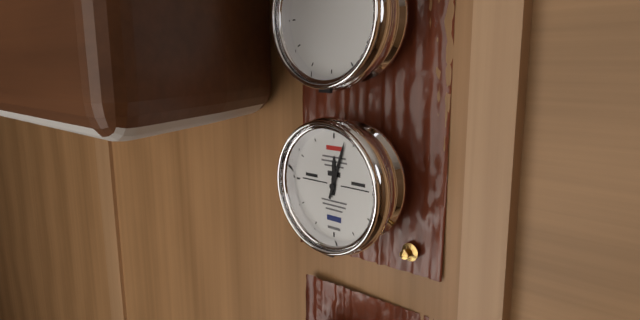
h=12 m=3
